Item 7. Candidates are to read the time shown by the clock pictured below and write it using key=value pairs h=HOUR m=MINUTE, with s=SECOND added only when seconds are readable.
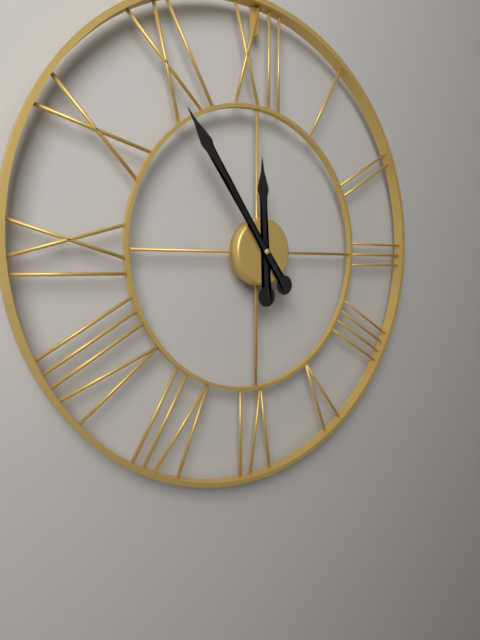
h=11 m=54
